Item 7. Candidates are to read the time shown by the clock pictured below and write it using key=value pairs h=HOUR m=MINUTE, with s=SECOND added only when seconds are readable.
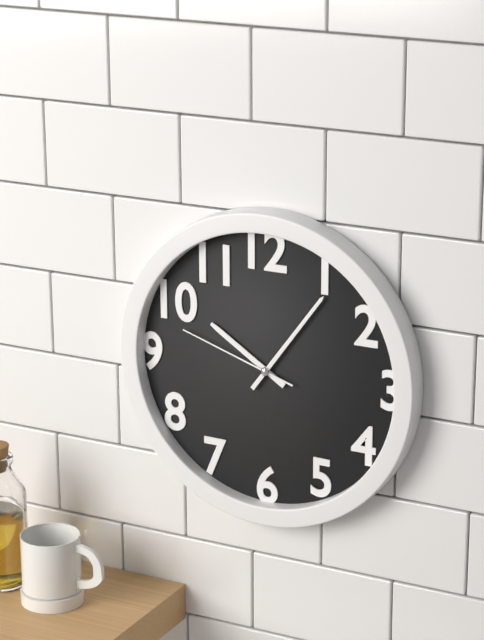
h=10 m=6 s=48
